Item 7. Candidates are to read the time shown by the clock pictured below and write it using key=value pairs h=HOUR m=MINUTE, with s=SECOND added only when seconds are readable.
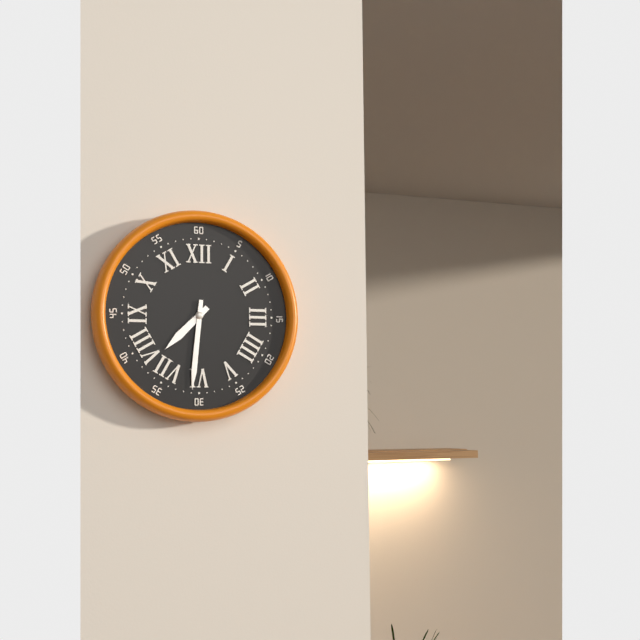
h=7 m=31
